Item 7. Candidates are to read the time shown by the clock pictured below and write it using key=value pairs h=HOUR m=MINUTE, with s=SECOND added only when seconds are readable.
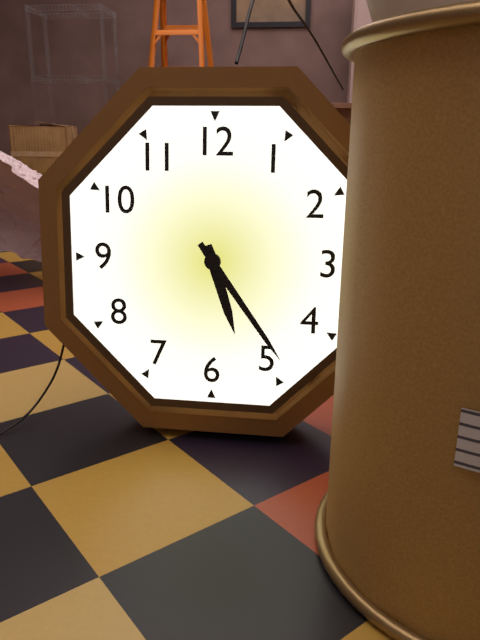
h=5 m=24
